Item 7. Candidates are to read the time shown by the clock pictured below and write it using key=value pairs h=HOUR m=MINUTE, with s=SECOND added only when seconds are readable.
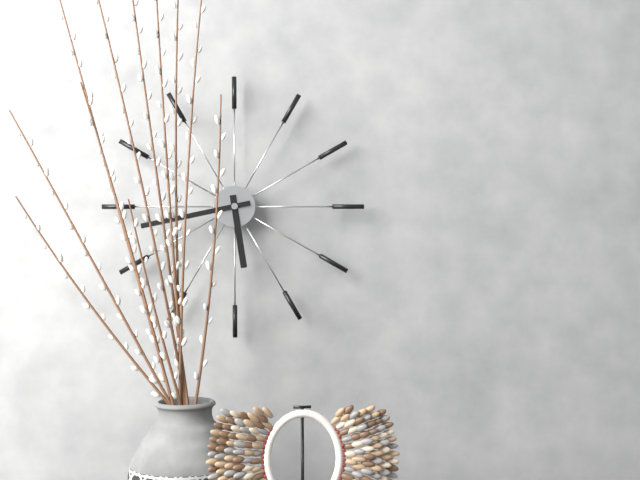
h=5 m=43
